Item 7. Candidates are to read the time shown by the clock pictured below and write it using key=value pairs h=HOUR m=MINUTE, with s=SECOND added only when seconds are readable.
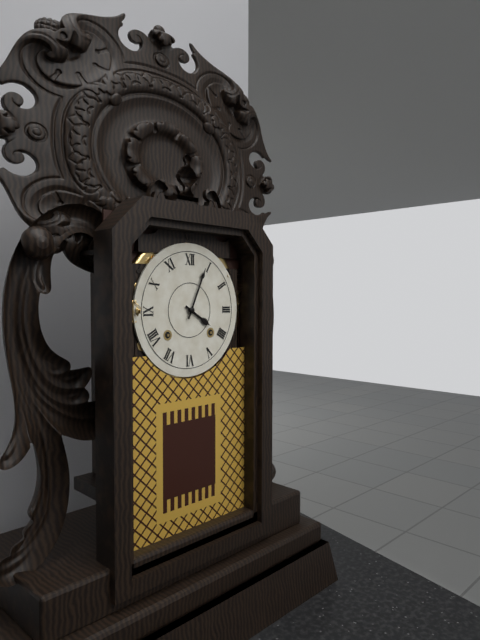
h=4 m=4
